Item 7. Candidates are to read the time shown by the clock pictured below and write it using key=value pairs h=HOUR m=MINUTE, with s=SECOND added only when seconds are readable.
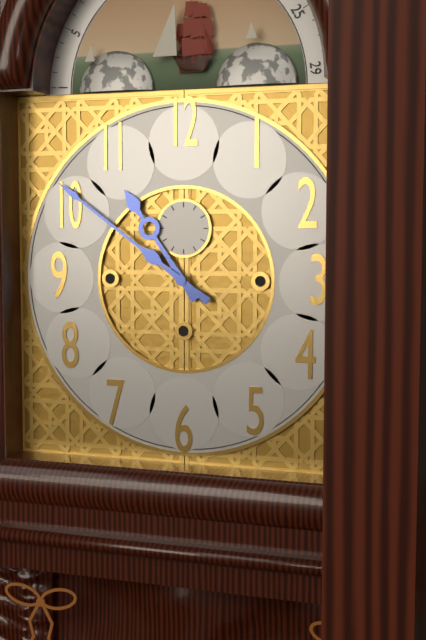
h=10 m=51
